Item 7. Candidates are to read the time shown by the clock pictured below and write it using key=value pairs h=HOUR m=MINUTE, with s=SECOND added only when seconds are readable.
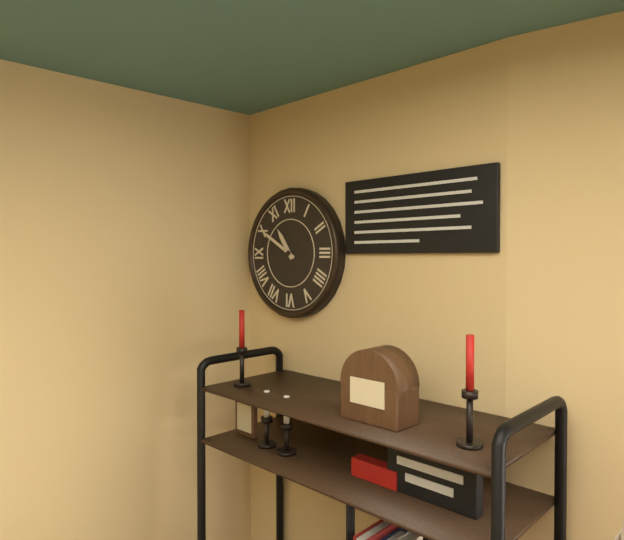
h=10 m=50
